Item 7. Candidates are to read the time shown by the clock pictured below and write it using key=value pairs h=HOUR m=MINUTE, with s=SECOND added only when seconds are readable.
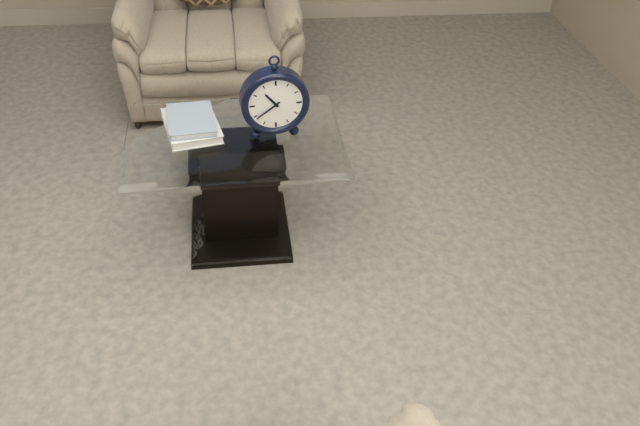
h=10 m=39
